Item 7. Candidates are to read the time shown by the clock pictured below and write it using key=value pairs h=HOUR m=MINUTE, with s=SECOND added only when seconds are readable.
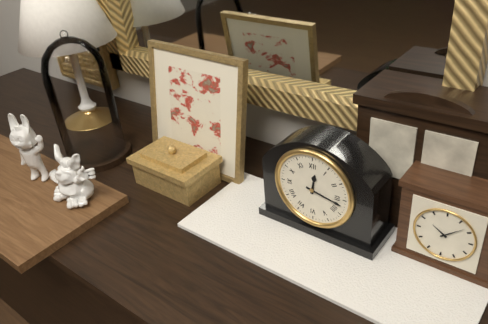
h=12 m=17
